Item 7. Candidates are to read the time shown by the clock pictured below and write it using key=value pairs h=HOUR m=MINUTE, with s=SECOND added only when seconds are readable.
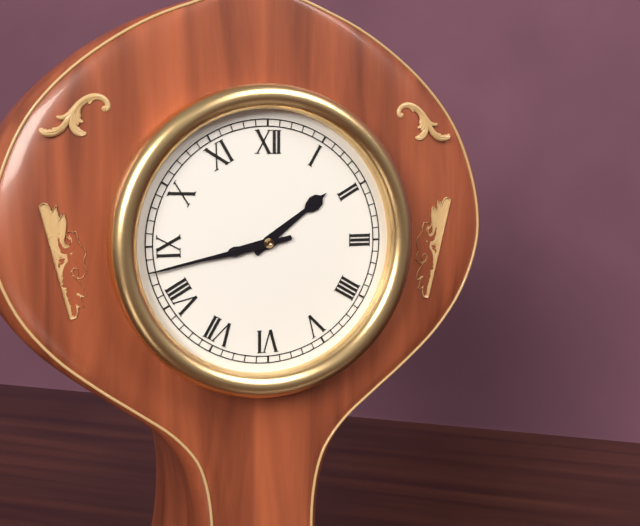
h=1 m=43
